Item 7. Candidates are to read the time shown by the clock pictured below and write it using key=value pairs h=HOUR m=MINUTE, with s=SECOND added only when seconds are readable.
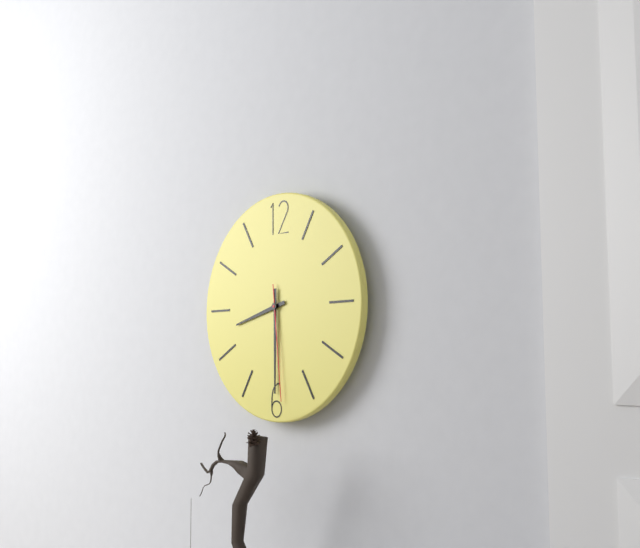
h=8 m=30 s=29
